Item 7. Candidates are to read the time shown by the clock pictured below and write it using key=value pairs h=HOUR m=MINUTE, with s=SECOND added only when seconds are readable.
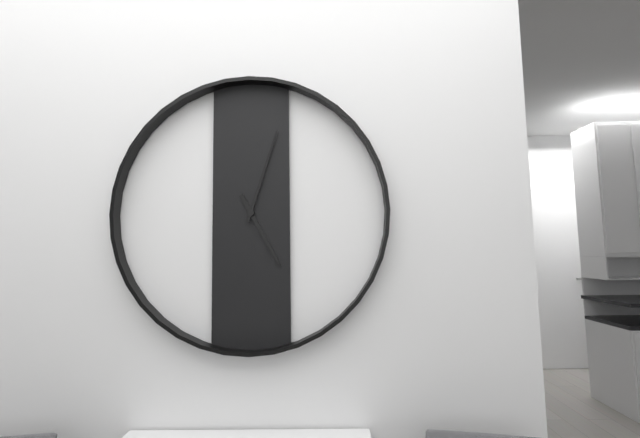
h=5 m=3
